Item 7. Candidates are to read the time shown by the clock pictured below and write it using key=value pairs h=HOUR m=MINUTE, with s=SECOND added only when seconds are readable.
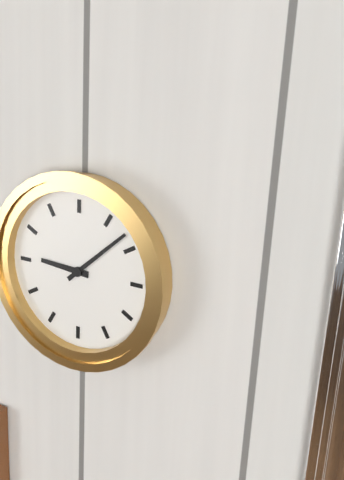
h=9 m=8
